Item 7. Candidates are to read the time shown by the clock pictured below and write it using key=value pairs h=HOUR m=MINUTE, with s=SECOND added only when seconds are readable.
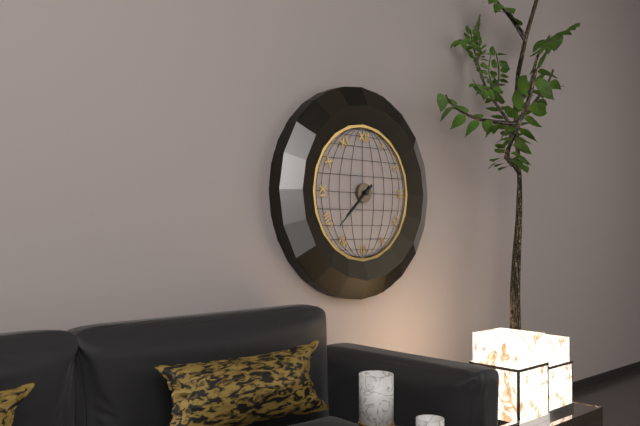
h=7 m=38
